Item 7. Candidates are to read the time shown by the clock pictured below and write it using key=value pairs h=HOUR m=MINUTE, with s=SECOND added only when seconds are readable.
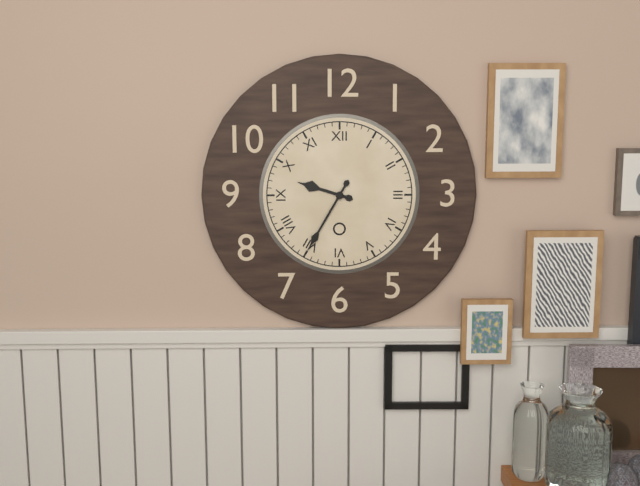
h=9 m=35
